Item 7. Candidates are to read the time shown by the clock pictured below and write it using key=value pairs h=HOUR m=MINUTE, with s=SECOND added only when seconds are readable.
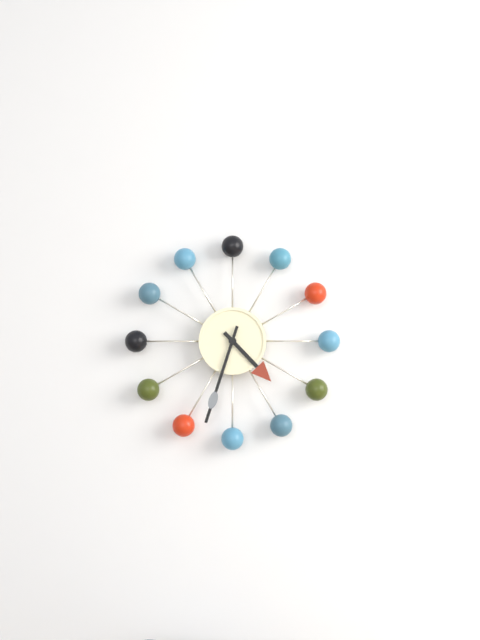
h=4 m=33
